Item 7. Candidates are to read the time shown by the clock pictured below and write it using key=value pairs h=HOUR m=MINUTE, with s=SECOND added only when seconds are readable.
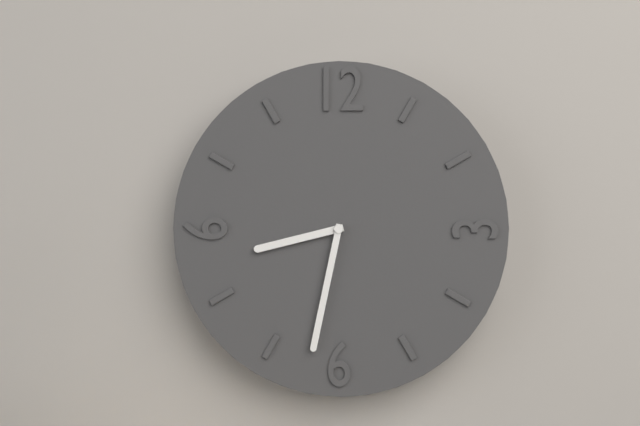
h=8 m=32
